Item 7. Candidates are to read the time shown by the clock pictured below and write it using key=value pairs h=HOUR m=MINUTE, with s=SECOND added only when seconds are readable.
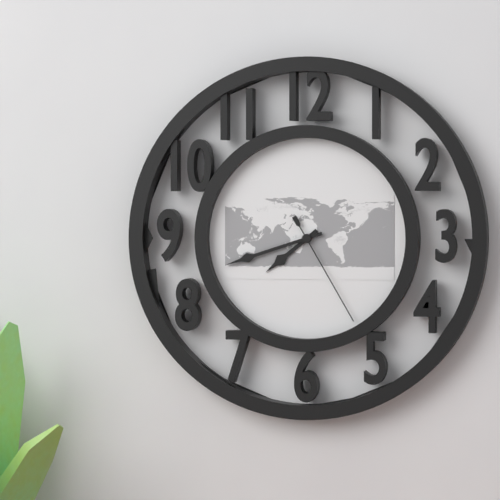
h=7 m=42 s=25
